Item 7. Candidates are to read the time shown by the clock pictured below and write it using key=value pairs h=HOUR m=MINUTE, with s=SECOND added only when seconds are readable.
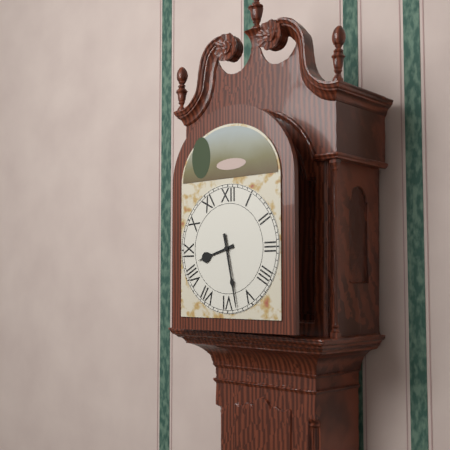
h=8 m=28
